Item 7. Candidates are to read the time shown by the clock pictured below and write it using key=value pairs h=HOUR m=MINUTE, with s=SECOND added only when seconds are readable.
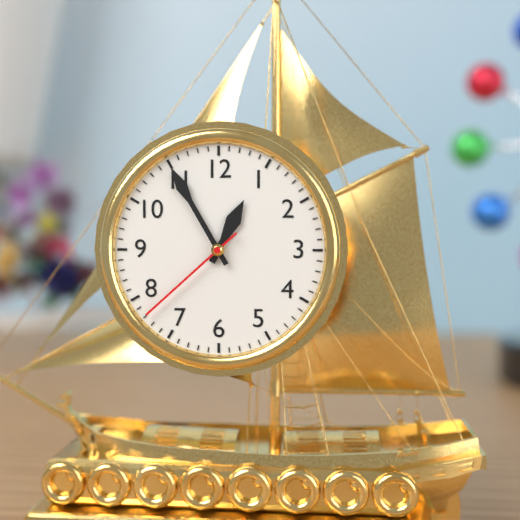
h=12 m=55 s=38
